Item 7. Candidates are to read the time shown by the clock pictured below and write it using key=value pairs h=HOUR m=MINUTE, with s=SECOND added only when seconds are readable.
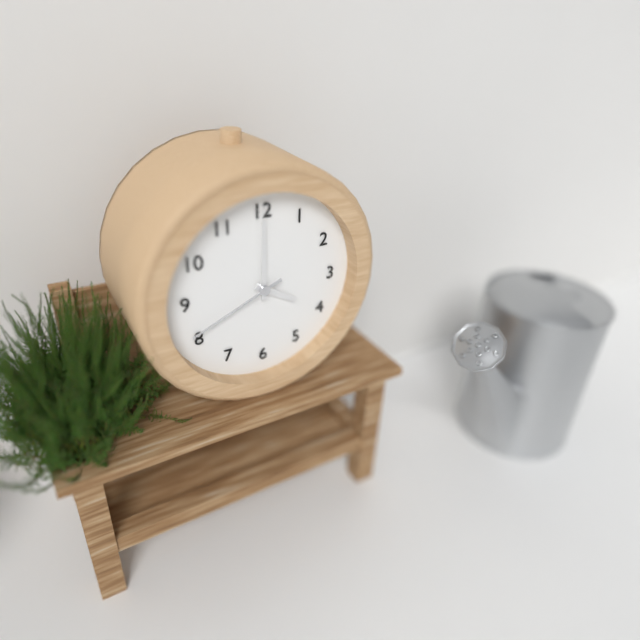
h=4 m=0 s=41
